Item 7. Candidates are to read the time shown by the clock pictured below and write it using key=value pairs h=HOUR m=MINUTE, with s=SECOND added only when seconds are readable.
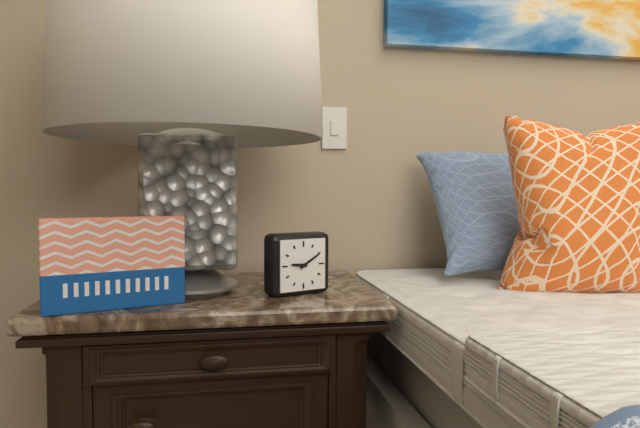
h=9 m=10
